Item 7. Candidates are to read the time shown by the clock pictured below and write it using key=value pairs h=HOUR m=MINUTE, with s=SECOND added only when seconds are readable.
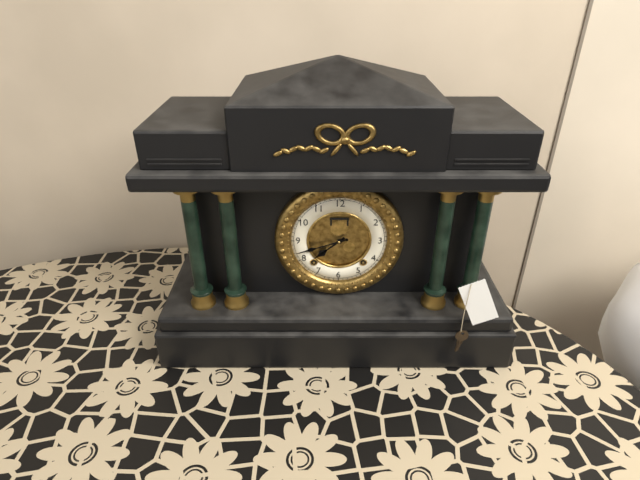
h=7 m=42
